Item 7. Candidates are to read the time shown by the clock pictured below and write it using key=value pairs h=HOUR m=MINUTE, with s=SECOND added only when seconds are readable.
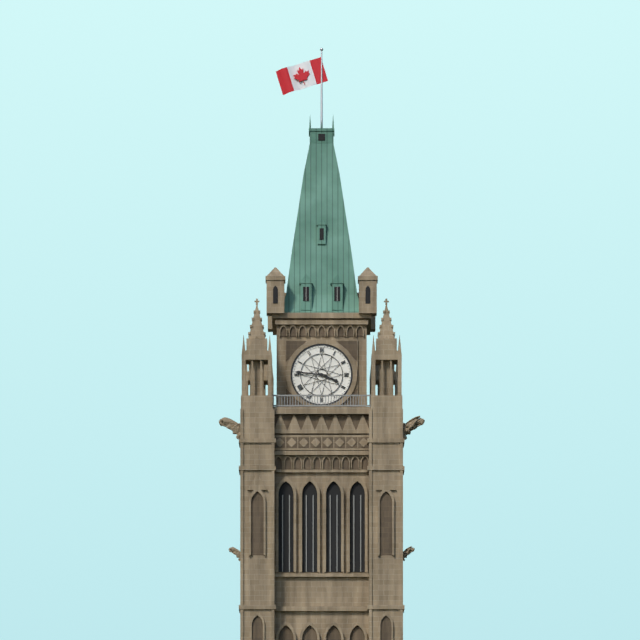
h=3 m=46
